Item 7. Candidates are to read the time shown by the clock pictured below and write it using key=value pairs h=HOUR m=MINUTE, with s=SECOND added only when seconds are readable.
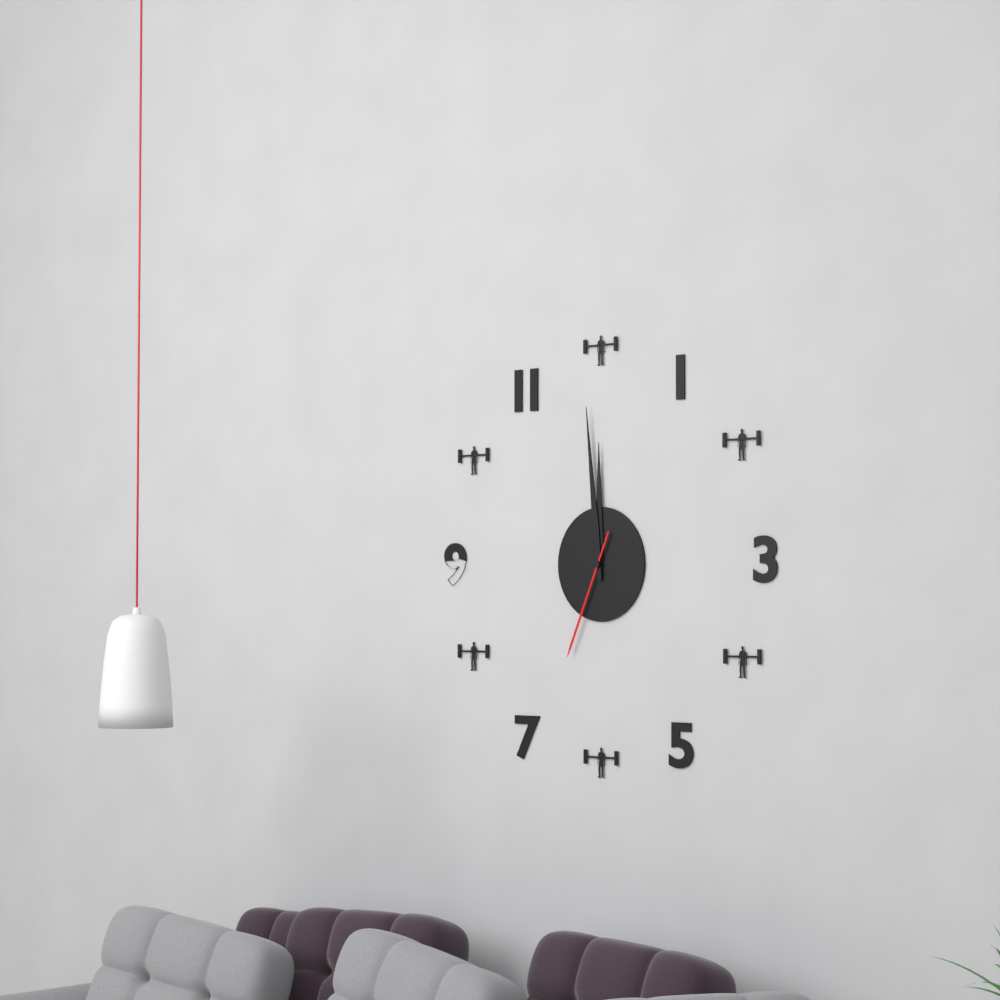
h=11 m=59 s=34
